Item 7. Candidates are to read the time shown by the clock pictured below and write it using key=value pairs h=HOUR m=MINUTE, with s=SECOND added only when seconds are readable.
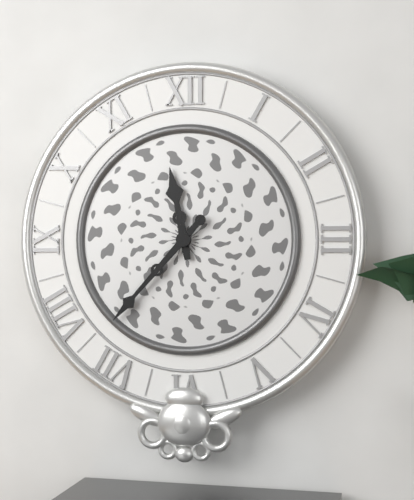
h=11 m=37
